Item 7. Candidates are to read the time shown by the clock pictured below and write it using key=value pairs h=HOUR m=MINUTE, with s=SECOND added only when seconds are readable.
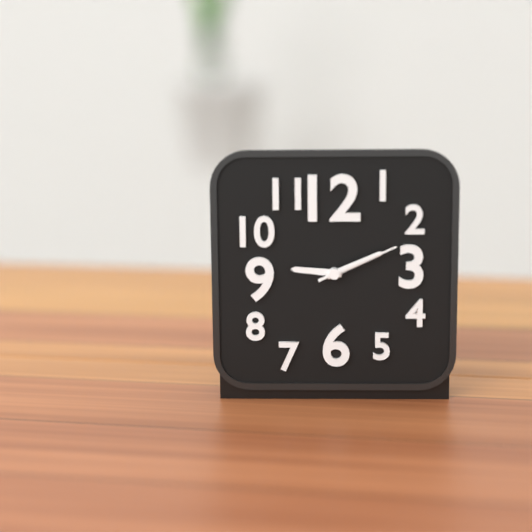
h=9 m=11 s=11
